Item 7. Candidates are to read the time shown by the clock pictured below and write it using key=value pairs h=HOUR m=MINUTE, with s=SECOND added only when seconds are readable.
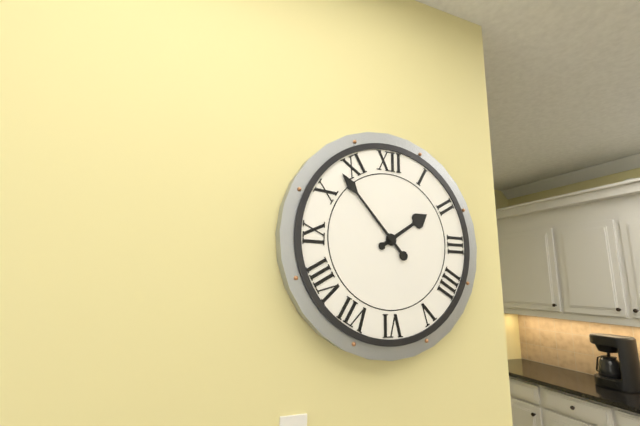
h=1 m=53
